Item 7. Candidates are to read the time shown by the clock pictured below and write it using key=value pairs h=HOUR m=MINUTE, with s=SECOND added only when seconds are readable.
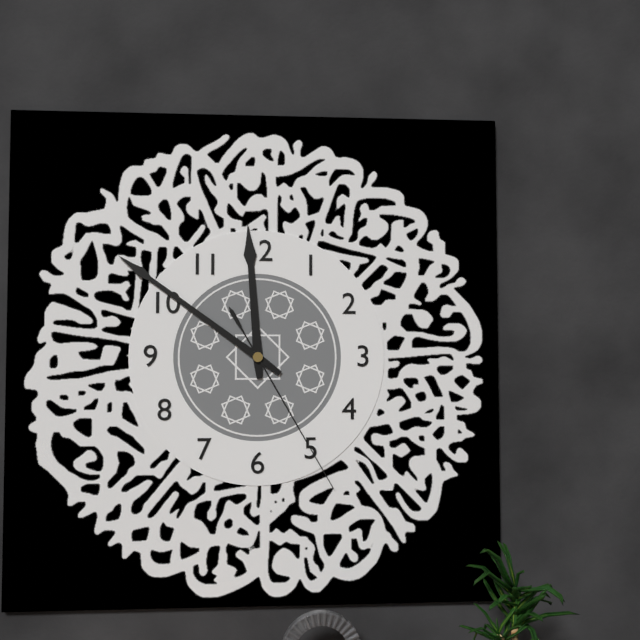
h=11 m=51 s=25
